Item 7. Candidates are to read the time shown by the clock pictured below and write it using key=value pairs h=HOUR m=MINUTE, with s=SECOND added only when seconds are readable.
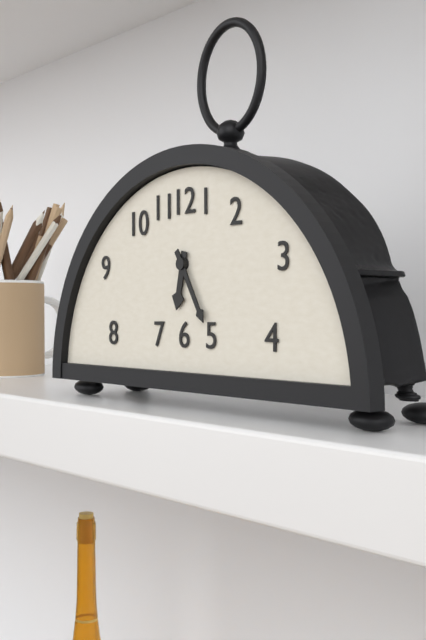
h=6 m=25
